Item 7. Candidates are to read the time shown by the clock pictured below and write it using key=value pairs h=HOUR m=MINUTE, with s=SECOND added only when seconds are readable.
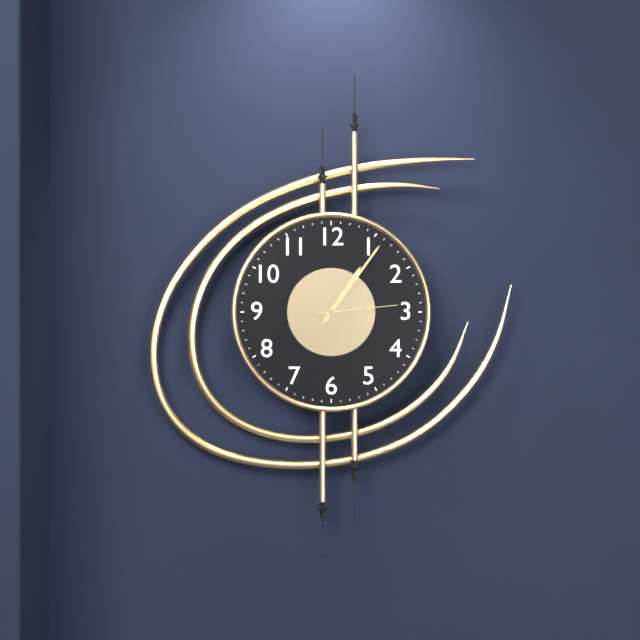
h=1 m=6 s=14
